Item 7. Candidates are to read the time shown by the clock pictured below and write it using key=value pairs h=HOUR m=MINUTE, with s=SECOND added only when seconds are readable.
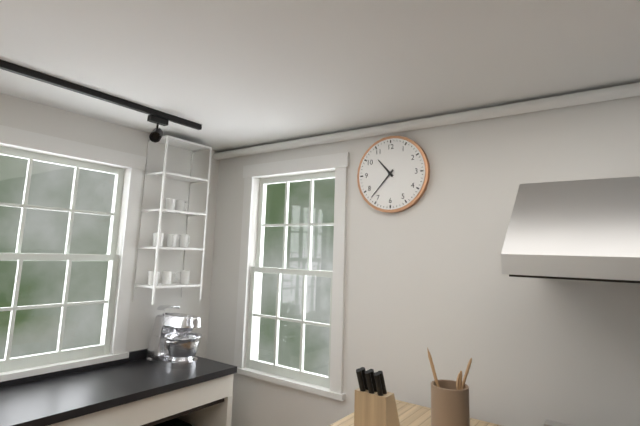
h=10 m=37
